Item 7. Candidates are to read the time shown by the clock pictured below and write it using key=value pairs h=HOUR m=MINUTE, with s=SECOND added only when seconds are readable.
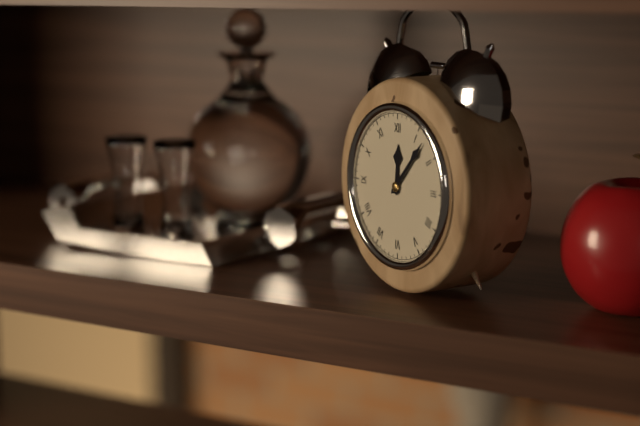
h=12 m=7
